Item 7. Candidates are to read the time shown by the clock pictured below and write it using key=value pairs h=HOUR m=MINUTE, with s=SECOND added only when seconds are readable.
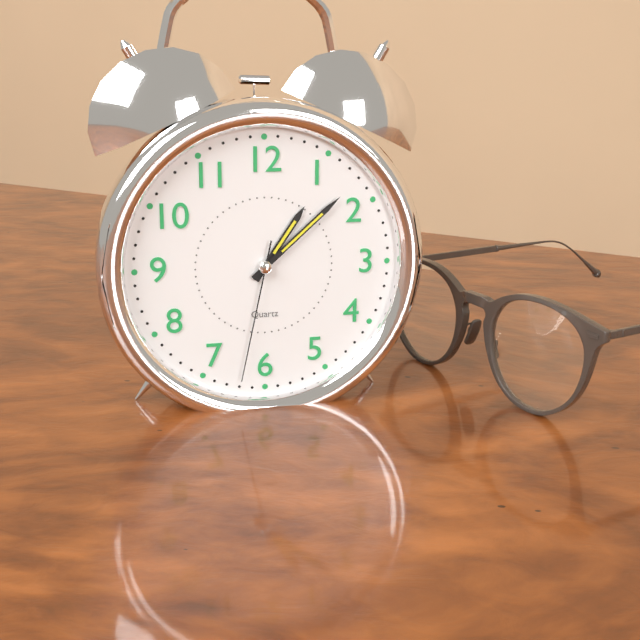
h=1 m=8 s=32
